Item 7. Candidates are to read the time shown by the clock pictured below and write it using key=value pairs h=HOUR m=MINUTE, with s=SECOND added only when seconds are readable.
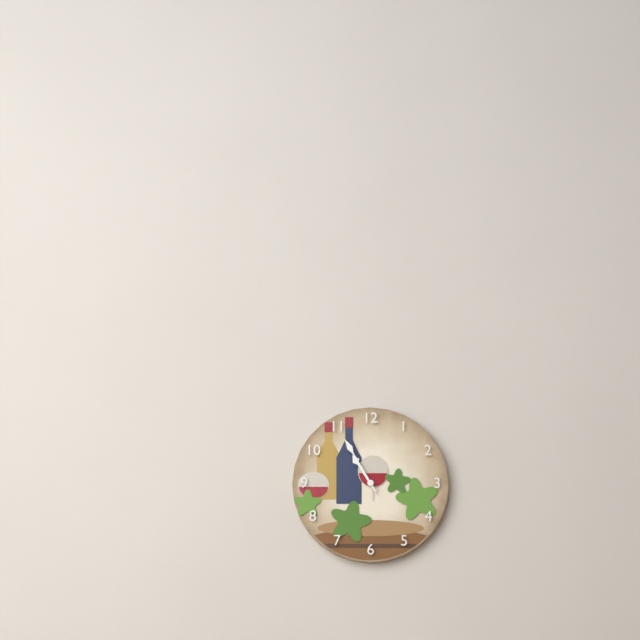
h=10 m=55
